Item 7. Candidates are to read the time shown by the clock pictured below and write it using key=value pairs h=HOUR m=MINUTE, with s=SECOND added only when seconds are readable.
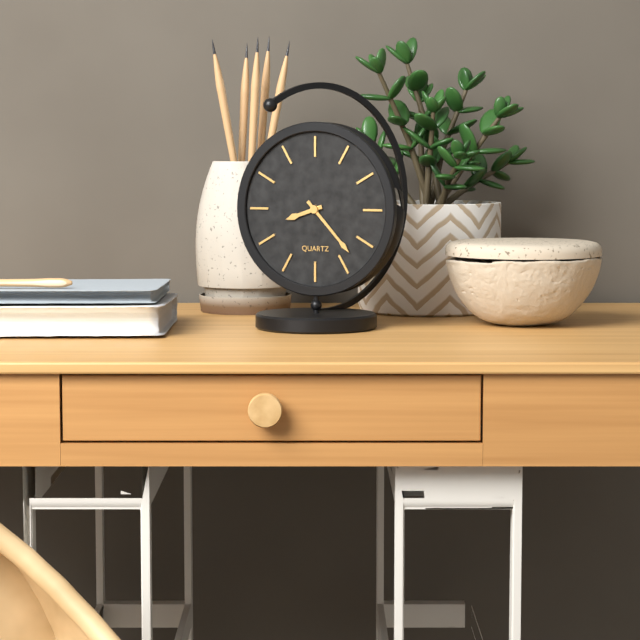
h=8 m=23
